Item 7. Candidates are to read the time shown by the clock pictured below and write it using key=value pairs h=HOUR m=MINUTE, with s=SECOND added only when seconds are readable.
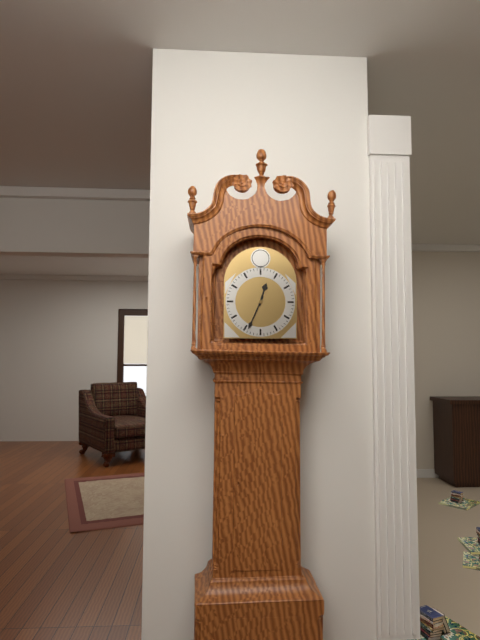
h=12 m=34
